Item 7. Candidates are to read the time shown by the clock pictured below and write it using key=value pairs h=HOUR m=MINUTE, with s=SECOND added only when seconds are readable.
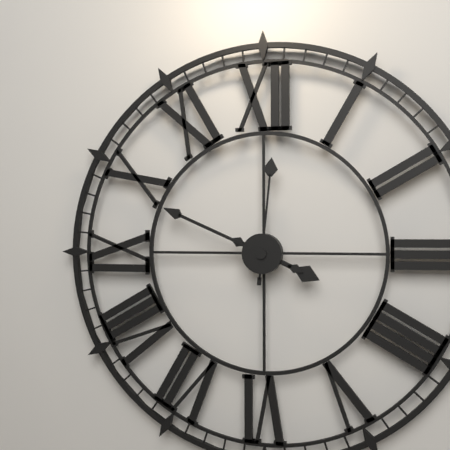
h=3 m=49 s=1
